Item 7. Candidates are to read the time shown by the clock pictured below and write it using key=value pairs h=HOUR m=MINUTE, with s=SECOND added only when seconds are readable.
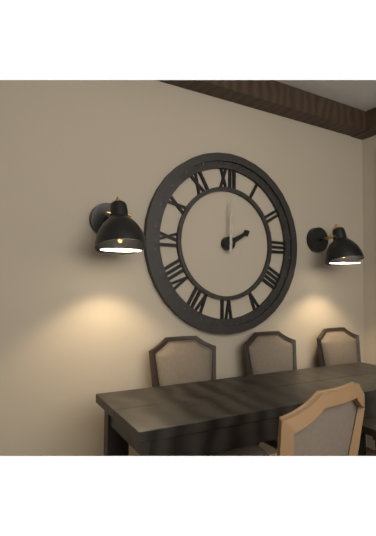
h=2 m=0
